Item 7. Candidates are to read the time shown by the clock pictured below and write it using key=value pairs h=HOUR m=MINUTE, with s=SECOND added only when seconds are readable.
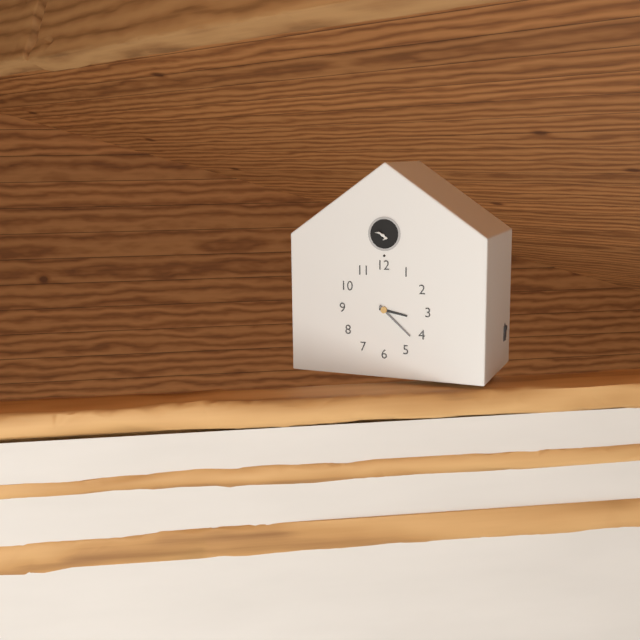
h=3 m=22
